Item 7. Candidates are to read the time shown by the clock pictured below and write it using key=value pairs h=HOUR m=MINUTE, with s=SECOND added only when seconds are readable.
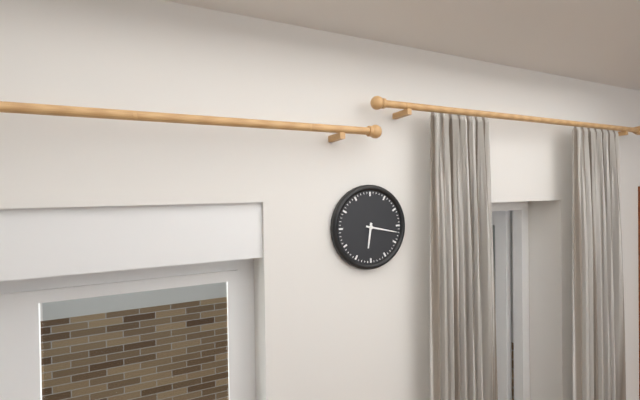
h=6 m=17
